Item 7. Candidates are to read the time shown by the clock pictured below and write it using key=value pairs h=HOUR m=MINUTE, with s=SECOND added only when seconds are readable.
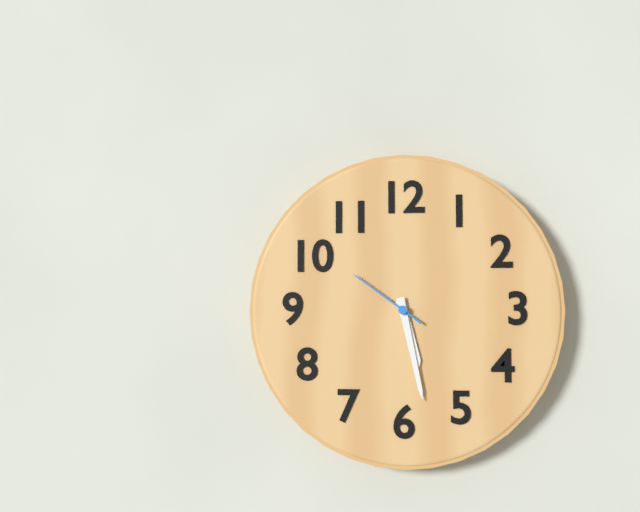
h=5 m=28 s=51
